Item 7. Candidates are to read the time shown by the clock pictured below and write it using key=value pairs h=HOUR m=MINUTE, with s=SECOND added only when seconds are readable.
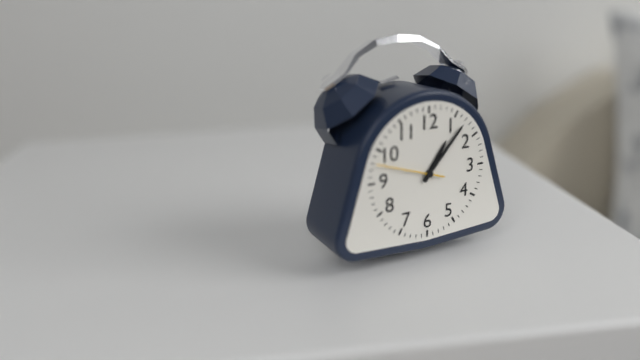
h=1 m=7
